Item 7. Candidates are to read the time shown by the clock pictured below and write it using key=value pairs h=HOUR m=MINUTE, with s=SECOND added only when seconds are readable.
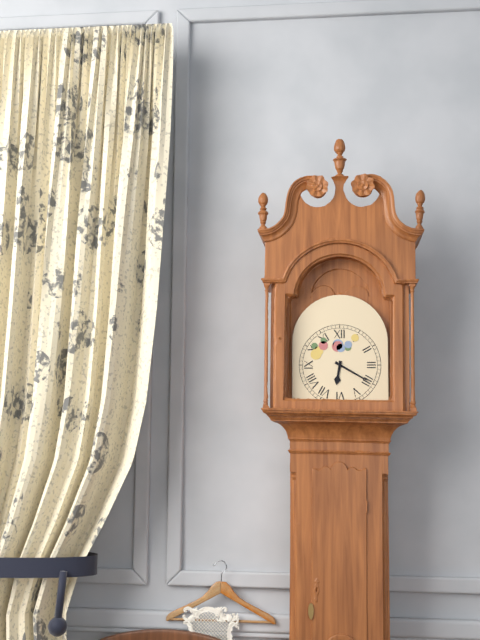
h=6 m=20
